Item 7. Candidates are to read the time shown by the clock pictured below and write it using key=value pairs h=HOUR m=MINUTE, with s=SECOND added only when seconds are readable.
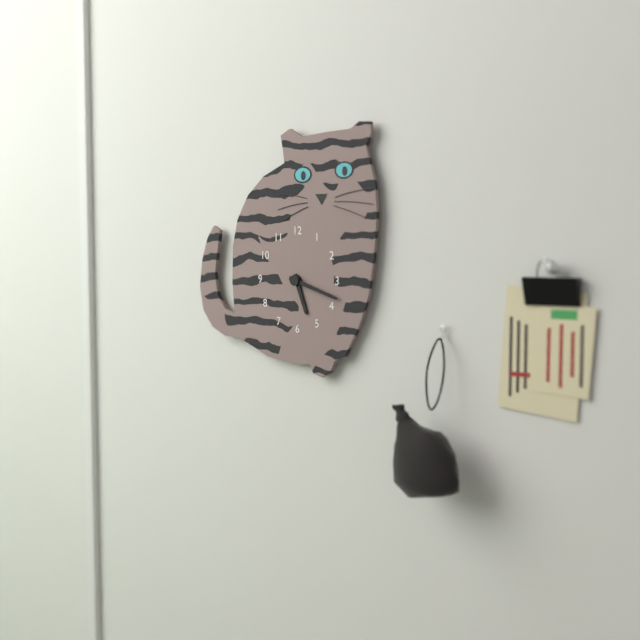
h=5 m=18
